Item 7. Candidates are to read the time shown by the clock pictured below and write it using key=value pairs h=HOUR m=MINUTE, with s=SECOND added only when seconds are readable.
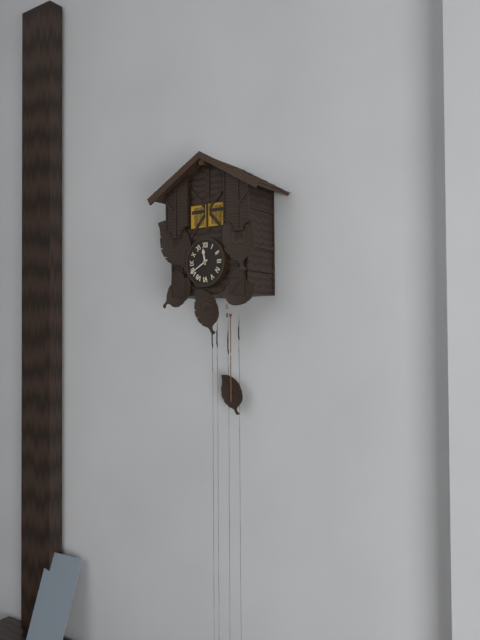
h=11 m=40
